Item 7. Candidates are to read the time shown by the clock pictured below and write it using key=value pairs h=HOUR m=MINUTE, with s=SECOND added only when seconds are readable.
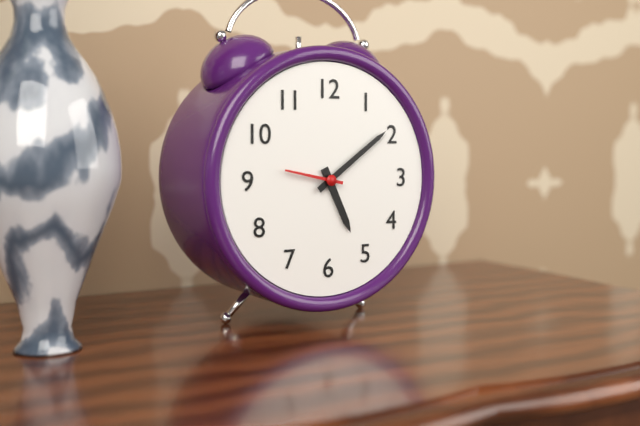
h=5 m=9 s=47
